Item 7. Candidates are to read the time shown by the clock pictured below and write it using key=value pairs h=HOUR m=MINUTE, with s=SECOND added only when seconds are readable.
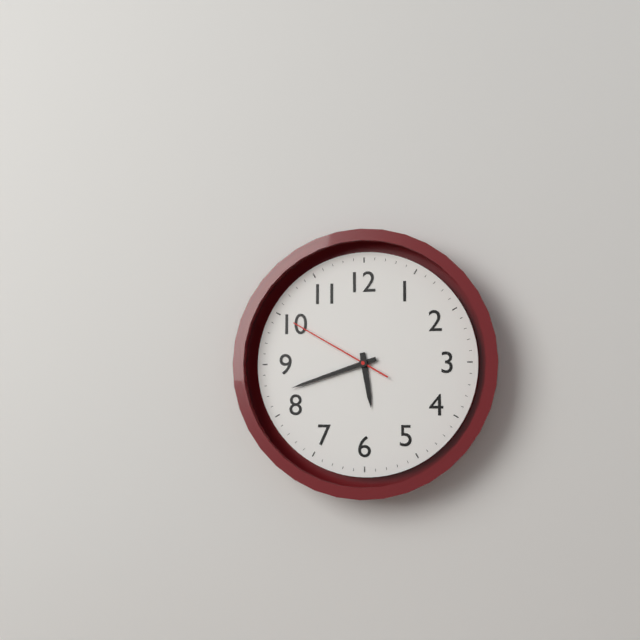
h=5 m=42 s=50
